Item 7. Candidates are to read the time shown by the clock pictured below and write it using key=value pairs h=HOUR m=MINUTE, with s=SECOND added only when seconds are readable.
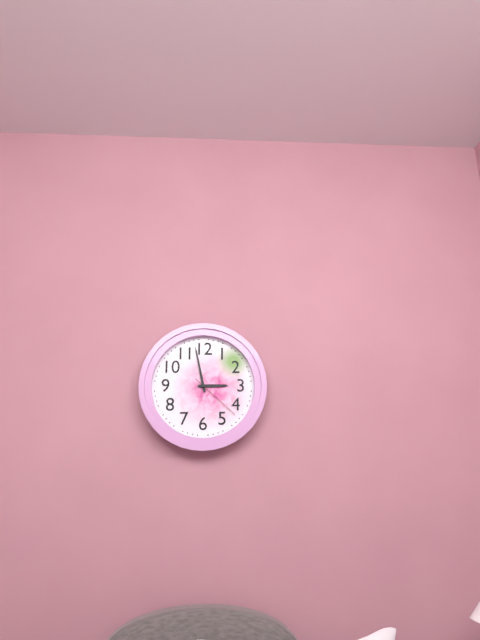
h=2 m=58 s=22
